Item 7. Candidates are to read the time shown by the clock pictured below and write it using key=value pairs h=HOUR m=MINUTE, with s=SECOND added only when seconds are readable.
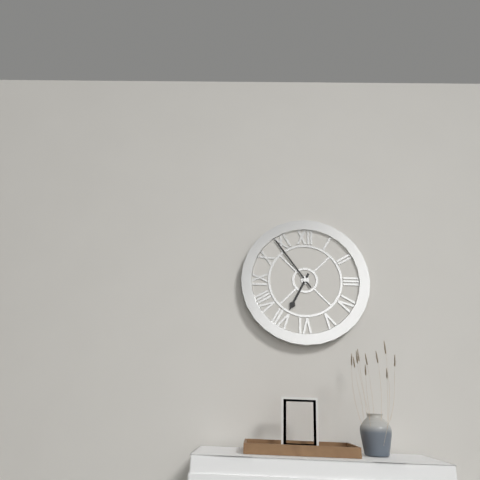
h=6 m=54
